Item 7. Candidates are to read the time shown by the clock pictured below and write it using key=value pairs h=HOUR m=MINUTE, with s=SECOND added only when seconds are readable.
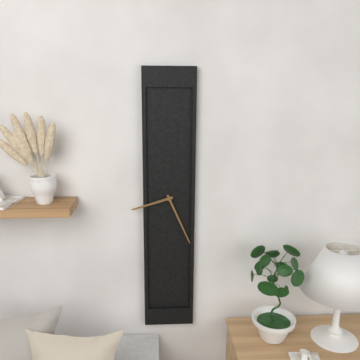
h=8 m=26
